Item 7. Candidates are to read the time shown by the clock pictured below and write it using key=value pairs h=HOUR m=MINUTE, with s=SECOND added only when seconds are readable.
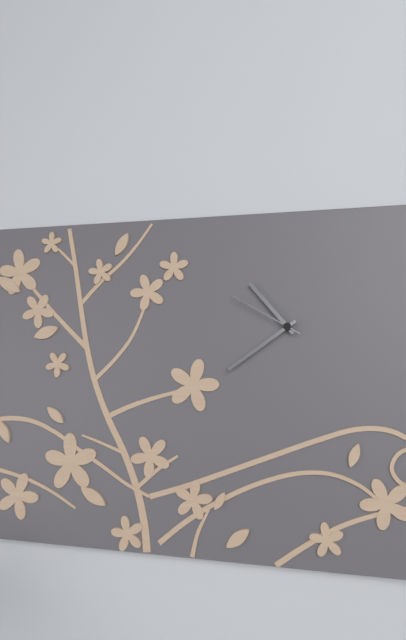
h=10 m=39 s=50
